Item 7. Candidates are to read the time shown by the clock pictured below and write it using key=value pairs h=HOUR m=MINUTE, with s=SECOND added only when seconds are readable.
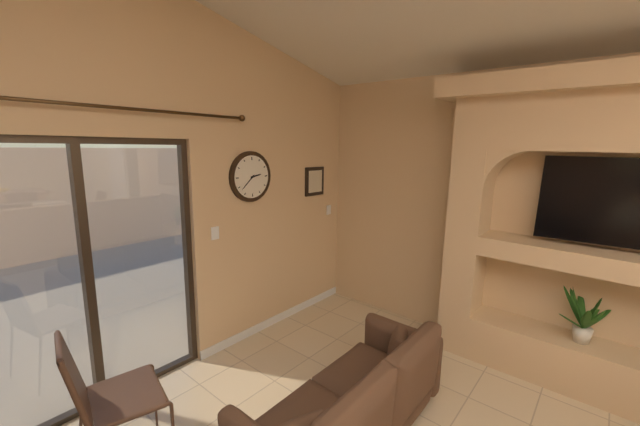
h=2 m=38
